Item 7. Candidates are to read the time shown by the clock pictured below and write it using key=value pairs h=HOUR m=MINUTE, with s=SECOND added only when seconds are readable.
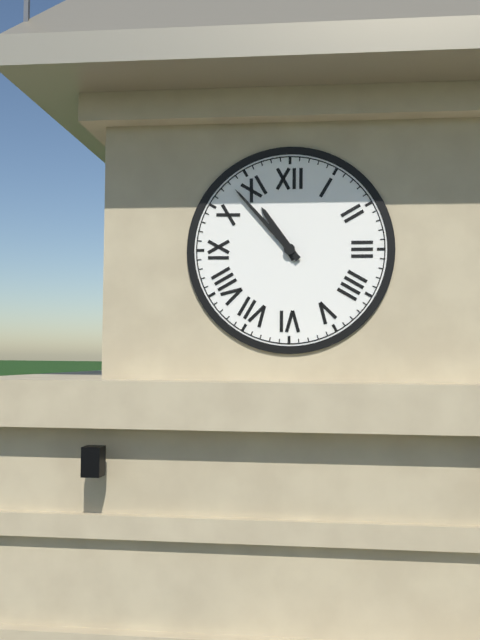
h=10 m=53
